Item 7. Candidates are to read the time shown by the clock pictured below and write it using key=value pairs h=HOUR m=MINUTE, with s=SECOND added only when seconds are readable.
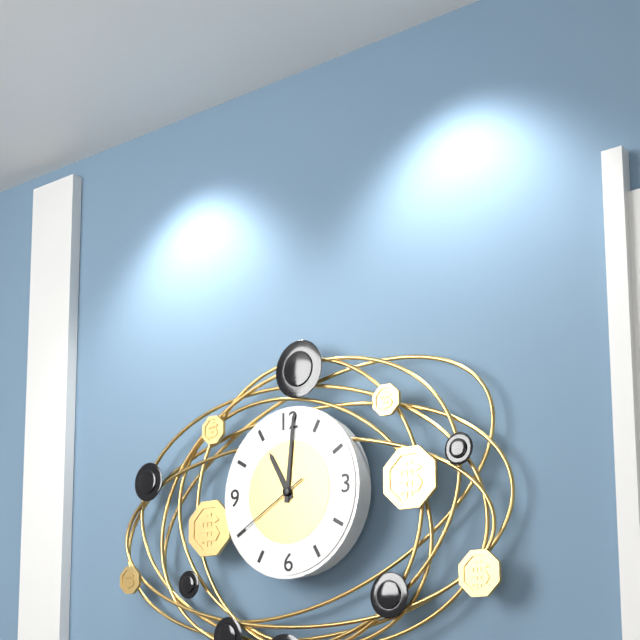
h=11 m=1 s=40
